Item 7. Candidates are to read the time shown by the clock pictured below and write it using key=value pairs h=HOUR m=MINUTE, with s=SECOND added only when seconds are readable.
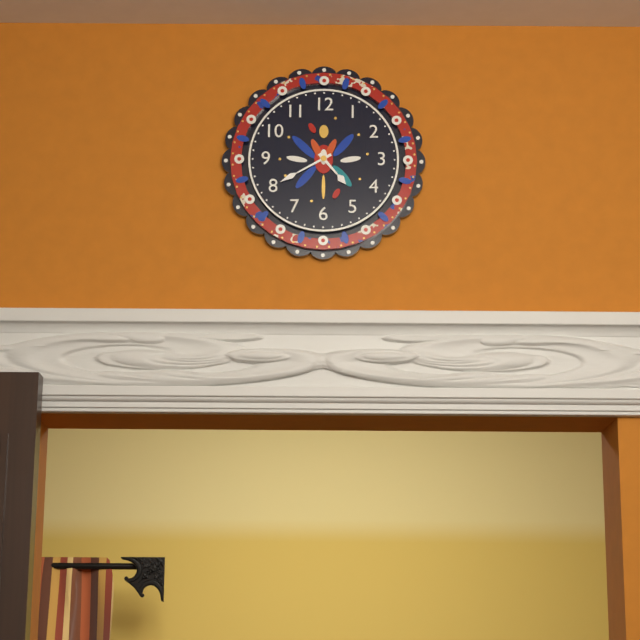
h=4 m=40
